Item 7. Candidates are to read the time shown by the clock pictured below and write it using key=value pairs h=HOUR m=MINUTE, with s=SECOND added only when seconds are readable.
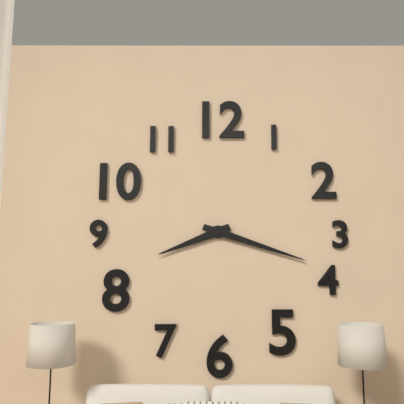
h=8 m=18
